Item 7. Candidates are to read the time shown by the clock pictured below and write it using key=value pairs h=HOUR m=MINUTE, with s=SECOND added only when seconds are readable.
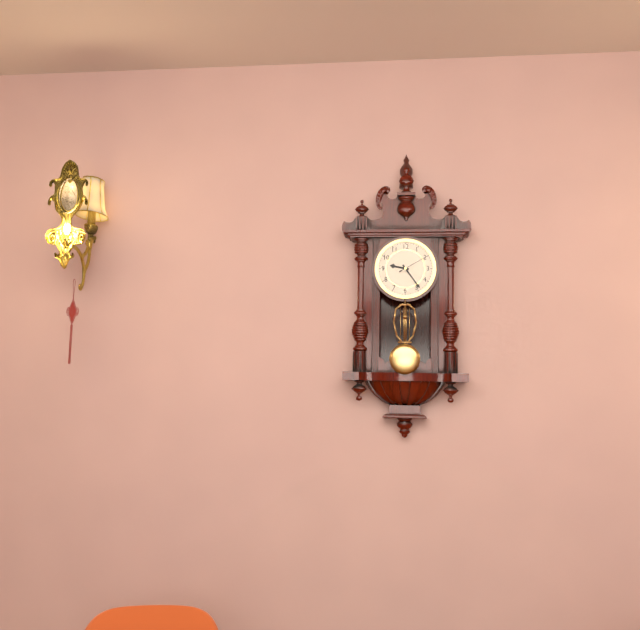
h=9 m=24
